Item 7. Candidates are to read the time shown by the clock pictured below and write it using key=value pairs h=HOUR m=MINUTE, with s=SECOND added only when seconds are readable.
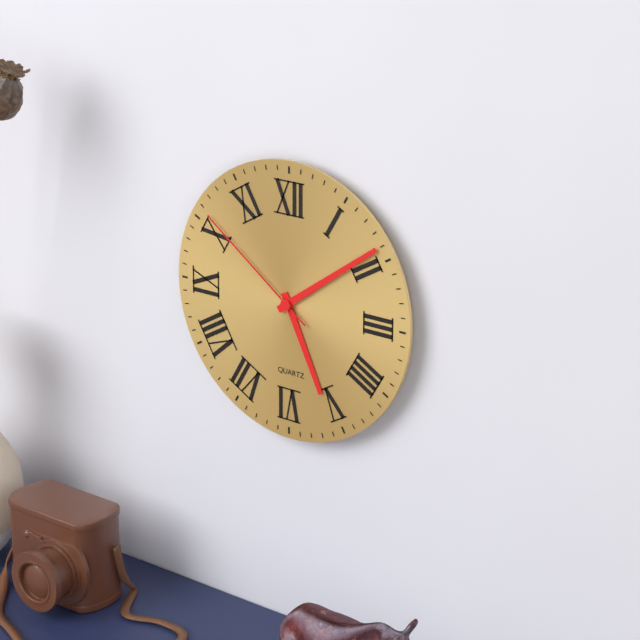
h=5 m=9 s=51
